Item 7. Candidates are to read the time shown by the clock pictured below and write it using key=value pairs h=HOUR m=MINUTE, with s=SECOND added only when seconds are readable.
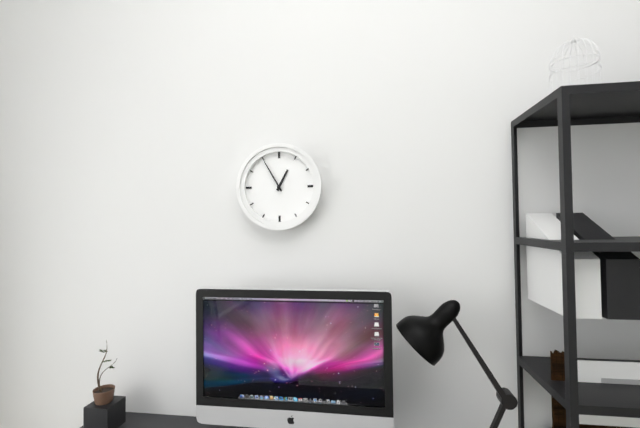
h=12 m=55
